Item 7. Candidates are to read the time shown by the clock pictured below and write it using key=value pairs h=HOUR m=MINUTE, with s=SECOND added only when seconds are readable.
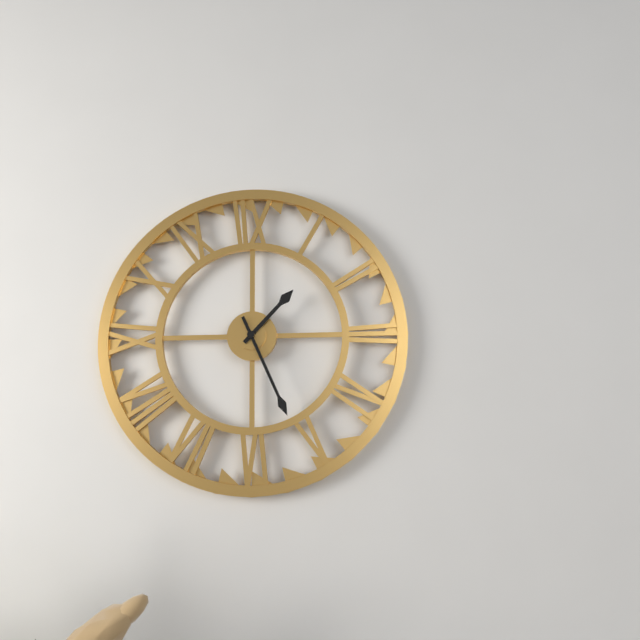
h=1 m=26
